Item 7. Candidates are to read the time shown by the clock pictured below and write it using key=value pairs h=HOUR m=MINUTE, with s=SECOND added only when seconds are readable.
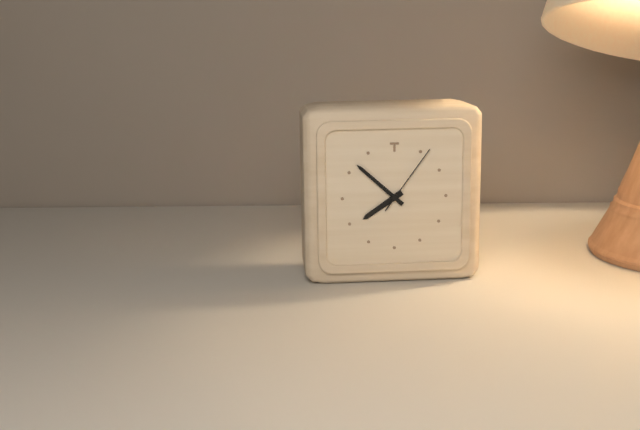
h=7 m=52 s=6
